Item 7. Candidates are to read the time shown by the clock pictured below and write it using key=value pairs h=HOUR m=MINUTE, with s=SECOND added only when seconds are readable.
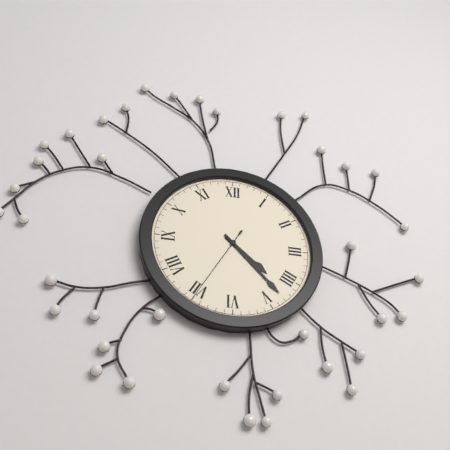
h=4 m=23 s=35
